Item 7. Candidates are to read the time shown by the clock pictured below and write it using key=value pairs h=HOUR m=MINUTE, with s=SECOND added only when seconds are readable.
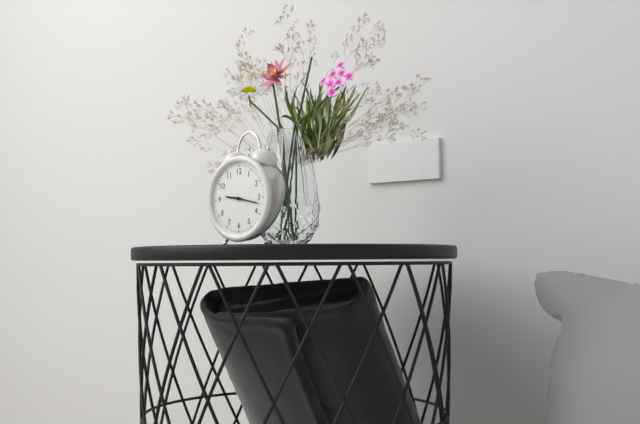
h=9 m=17
